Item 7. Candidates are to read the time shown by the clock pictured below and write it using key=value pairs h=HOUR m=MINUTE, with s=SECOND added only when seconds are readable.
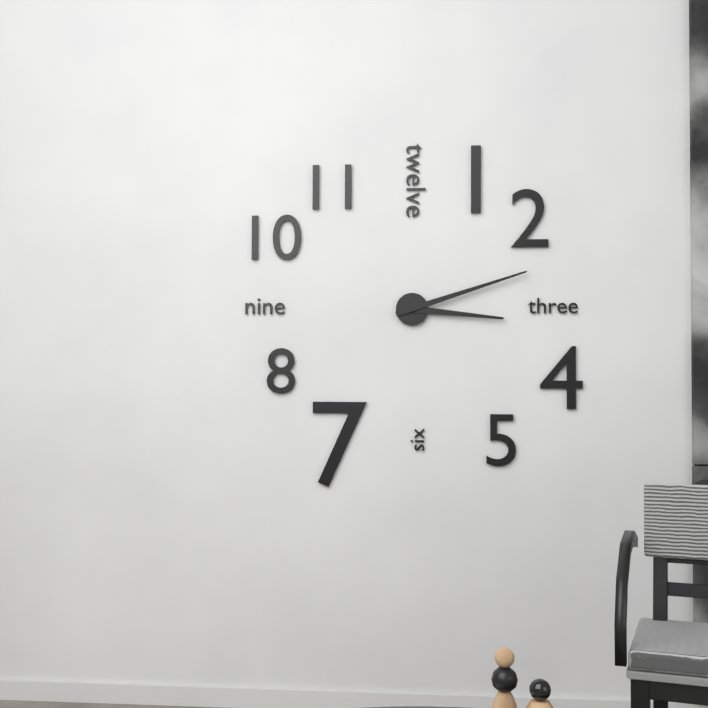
h=3 m=12
